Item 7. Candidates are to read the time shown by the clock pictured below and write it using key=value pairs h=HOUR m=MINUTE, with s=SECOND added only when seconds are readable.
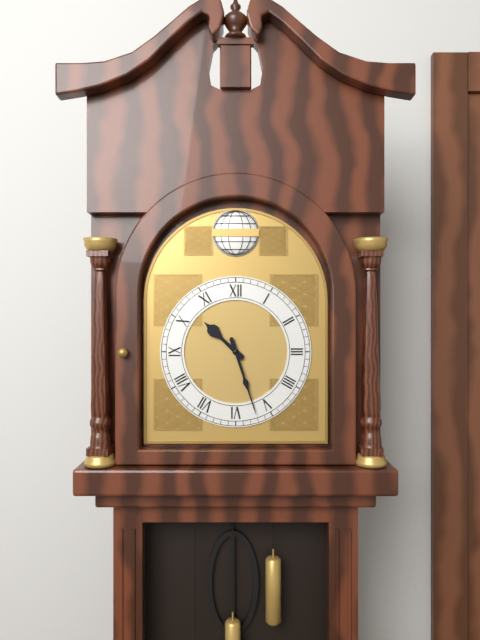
h=10 m=27
